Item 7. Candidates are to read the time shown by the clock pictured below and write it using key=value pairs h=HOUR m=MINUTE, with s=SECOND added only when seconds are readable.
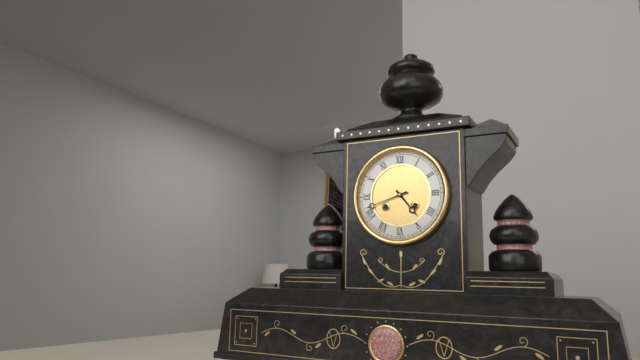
h=4 m=42
